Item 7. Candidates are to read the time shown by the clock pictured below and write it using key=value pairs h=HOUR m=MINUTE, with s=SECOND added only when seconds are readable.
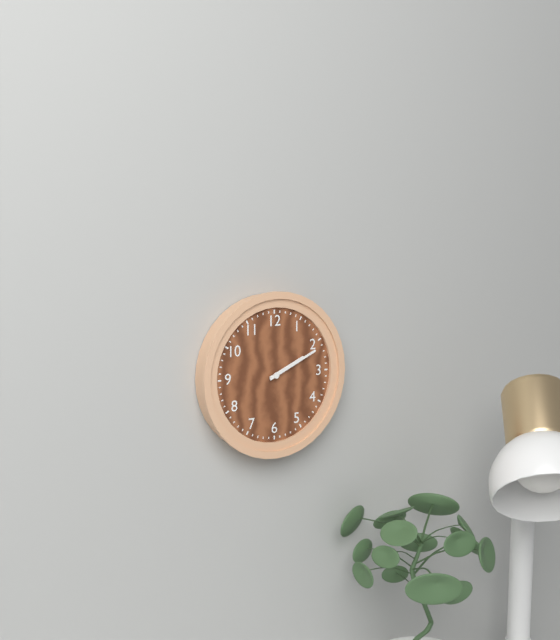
h=2 m=11
